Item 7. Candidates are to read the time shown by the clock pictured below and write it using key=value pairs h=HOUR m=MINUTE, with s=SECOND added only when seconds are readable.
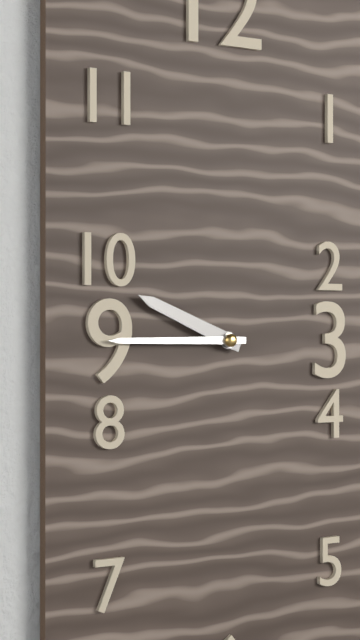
h=9 m=45
